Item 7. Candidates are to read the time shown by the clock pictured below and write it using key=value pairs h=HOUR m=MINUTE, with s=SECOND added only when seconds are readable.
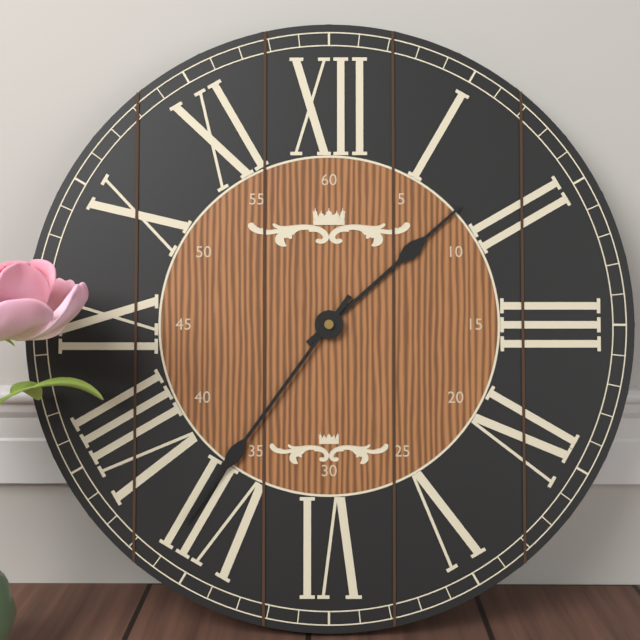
h=1 m=36
